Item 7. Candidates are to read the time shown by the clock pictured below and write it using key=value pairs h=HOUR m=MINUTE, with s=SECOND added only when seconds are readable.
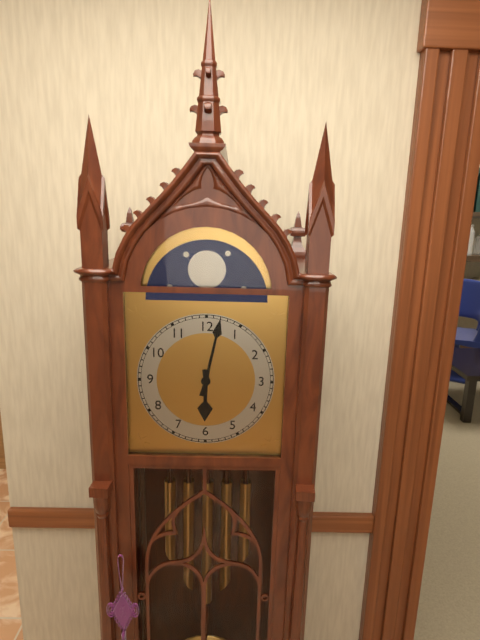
h=6 m=2
